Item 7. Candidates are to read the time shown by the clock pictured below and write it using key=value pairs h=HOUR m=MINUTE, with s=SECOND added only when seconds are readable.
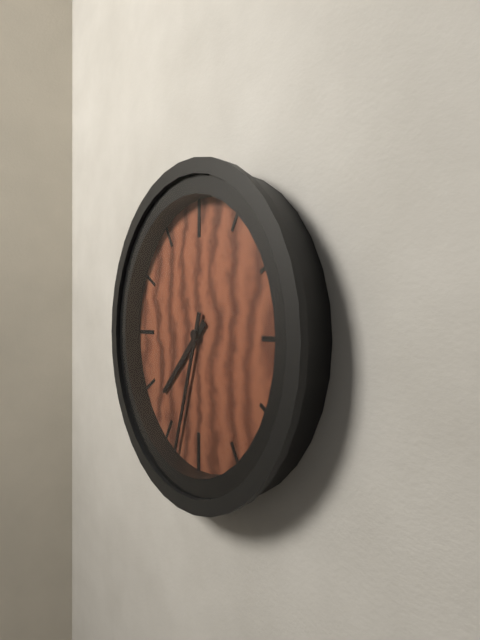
h=7 m=33
